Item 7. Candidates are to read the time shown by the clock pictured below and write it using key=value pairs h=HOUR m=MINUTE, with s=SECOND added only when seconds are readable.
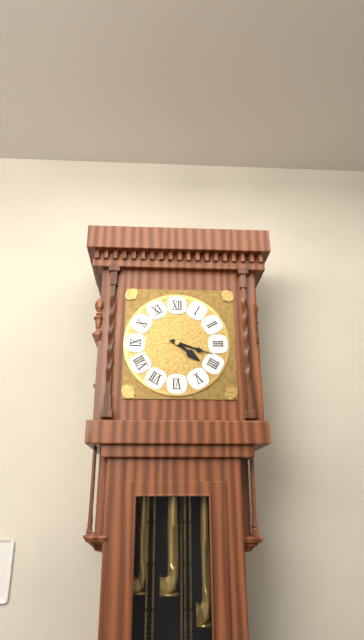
h=4 m=18
